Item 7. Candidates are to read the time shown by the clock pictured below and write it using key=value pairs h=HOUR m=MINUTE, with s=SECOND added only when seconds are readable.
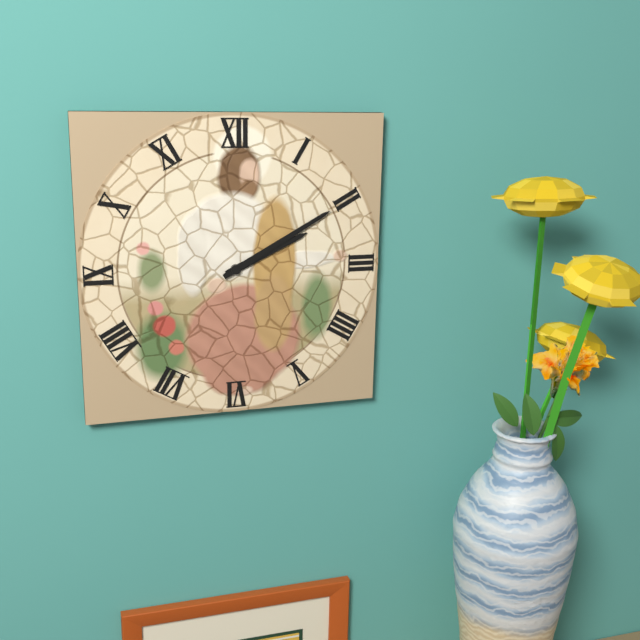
h=2 m=10
